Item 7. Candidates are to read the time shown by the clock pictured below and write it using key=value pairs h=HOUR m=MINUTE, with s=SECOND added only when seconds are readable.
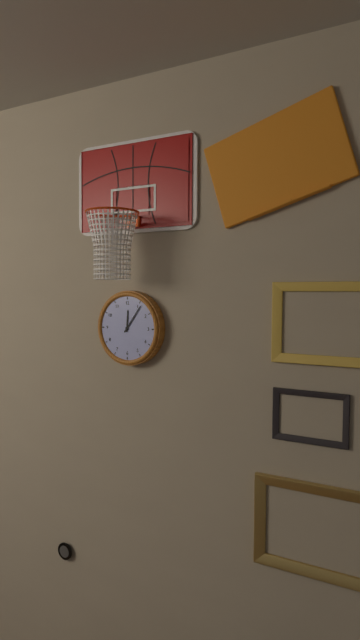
h=12 m=6
